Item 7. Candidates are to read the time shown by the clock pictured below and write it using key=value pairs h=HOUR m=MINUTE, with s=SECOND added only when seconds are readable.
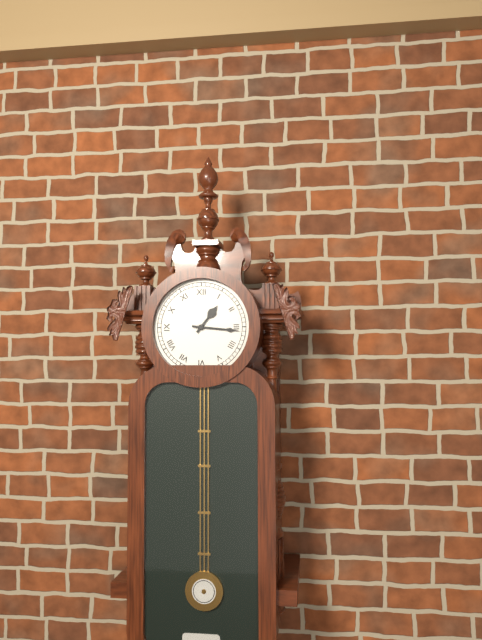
h=1 m=16
